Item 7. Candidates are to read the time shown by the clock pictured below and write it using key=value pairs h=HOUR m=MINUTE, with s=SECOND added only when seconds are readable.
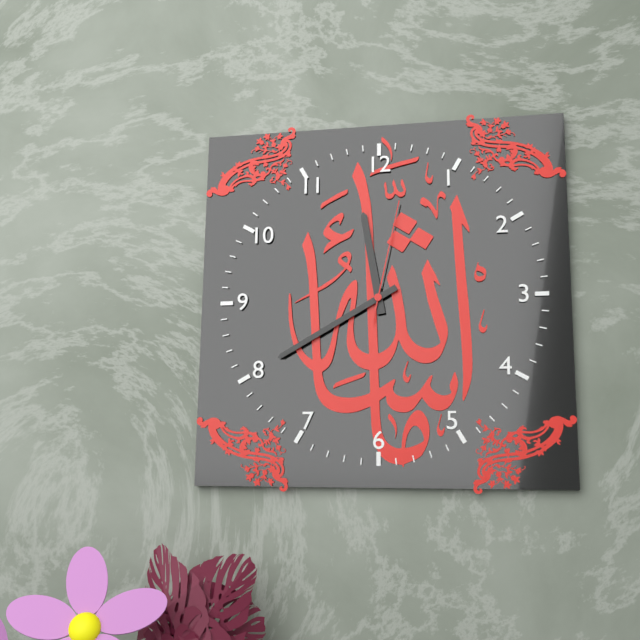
h=11 m=40 s=2
